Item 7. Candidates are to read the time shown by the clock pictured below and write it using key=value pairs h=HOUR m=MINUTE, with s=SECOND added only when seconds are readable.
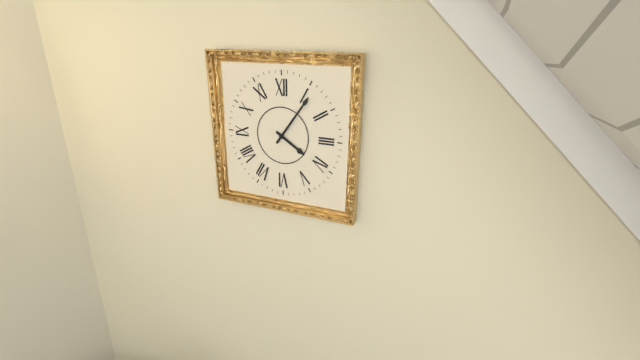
h=4 m=6
